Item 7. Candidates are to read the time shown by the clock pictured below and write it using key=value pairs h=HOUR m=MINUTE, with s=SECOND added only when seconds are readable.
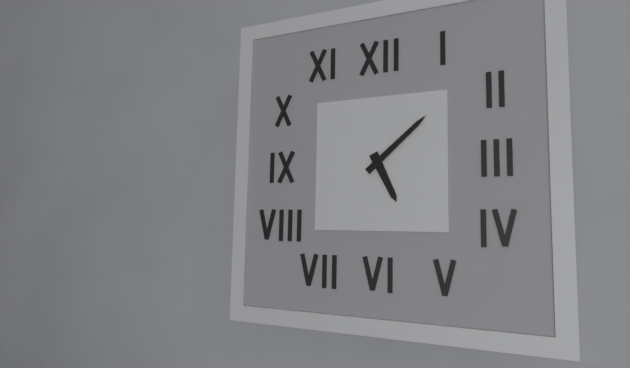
h=5 m=8
